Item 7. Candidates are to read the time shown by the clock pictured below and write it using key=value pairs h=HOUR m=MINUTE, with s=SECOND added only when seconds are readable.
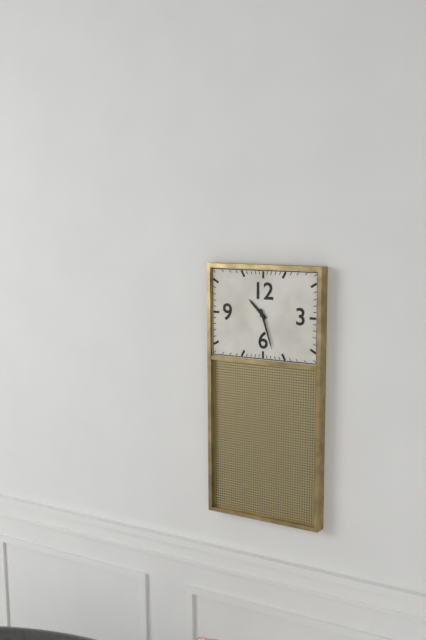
h=10 m=27
